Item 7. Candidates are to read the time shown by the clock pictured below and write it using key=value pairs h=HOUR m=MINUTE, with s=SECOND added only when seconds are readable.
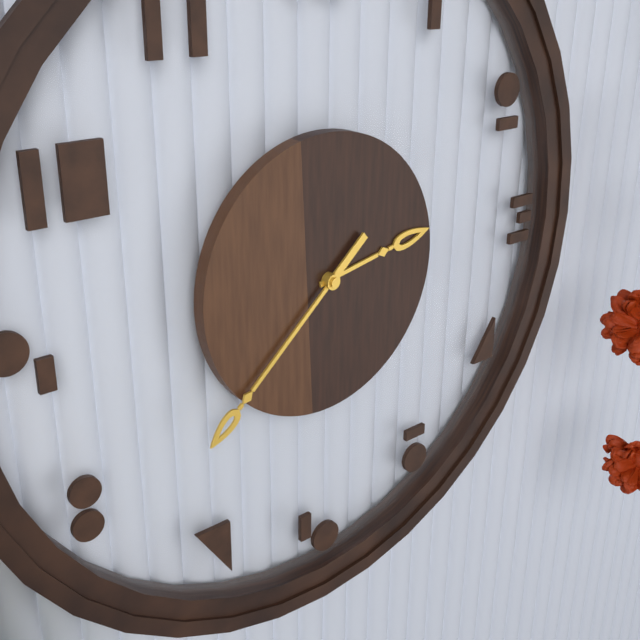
h=2 m=38
